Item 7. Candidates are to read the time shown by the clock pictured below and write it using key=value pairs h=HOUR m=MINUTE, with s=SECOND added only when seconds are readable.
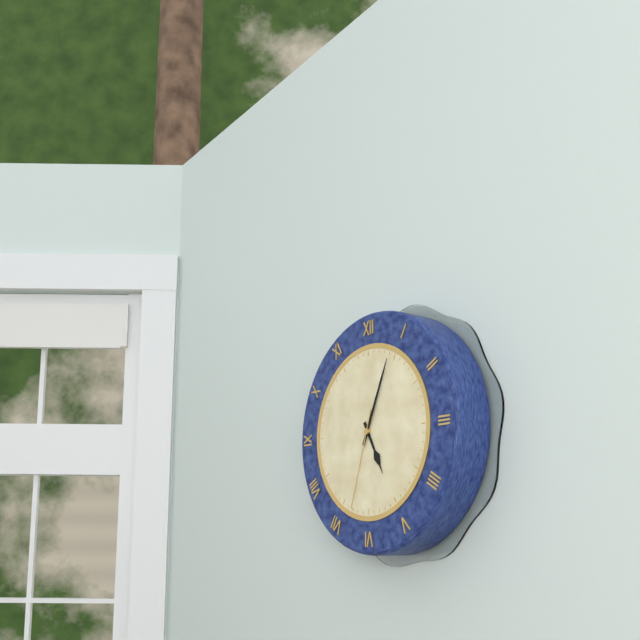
h=5 m=4 s=33
